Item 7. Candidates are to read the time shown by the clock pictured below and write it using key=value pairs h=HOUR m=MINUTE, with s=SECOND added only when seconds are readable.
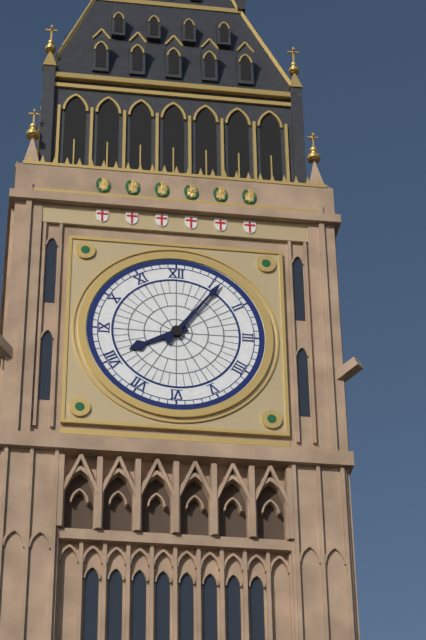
h=8 m=6
